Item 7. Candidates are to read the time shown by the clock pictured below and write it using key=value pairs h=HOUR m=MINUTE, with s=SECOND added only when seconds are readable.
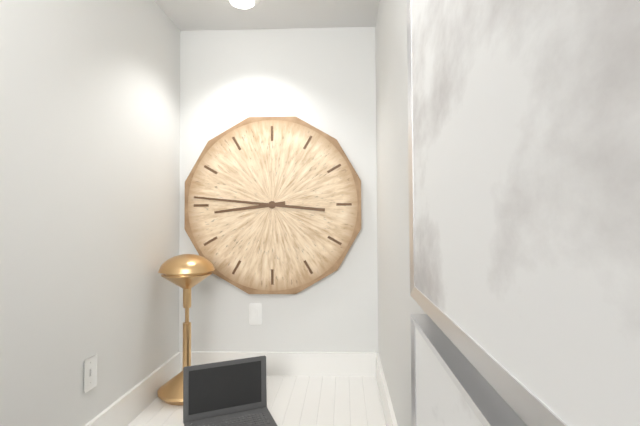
h=8 m=46
